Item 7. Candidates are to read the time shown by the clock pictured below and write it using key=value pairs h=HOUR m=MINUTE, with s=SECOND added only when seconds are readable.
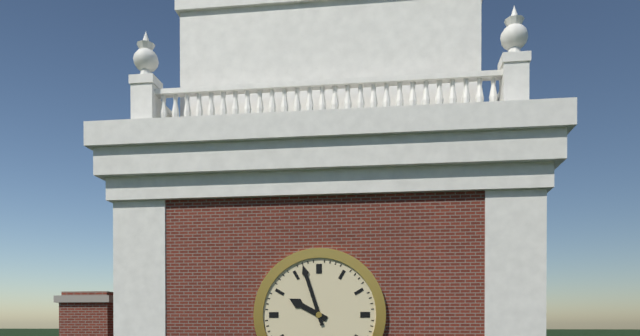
h=9 m=57
